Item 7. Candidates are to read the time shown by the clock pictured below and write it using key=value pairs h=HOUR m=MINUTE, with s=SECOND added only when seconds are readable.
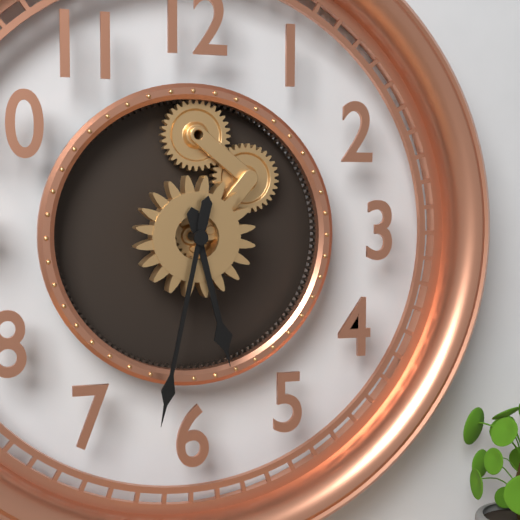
h=5 m=32
